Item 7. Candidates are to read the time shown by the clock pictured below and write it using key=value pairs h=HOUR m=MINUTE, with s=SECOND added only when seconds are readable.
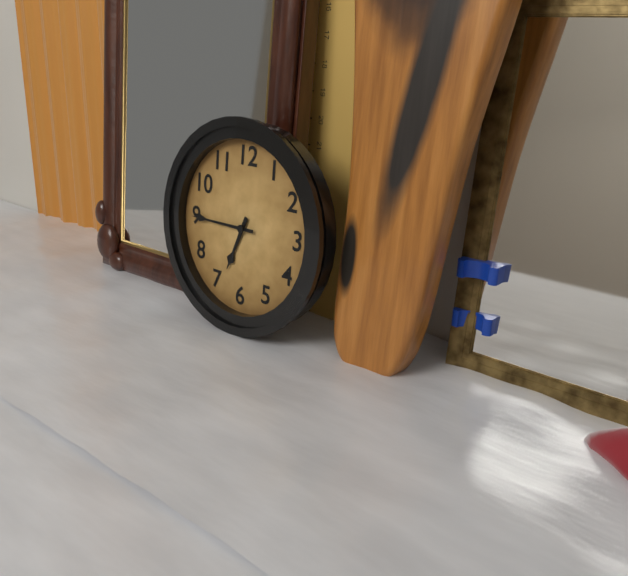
h=6 m=45
